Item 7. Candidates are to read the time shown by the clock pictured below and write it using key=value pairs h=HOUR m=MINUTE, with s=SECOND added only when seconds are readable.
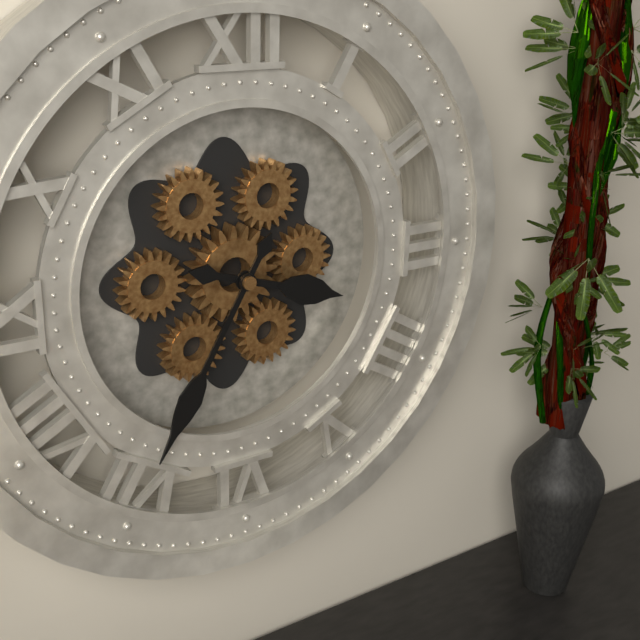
h=3 m=35
